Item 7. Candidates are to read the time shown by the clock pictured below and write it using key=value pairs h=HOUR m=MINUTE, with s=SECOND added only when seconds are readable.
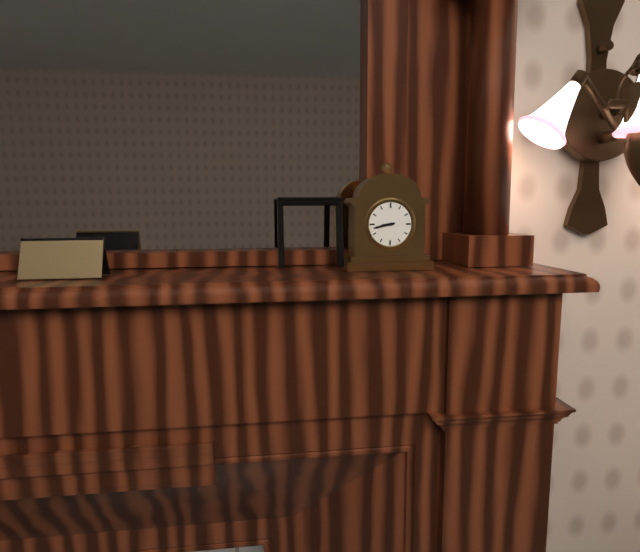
h=8 m=43
